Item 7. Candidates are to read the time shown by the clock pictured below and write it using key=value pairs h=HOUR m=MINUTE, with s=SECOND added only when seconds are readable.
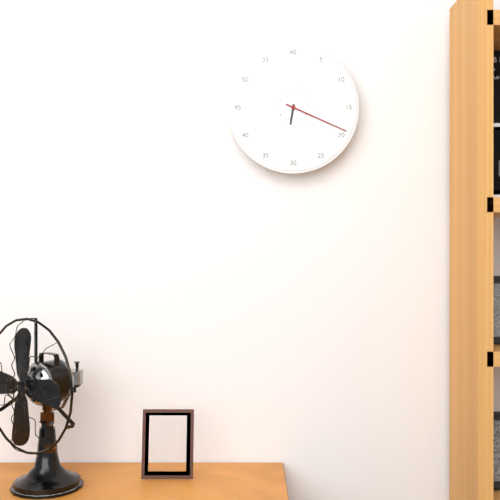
h=6 m=19
